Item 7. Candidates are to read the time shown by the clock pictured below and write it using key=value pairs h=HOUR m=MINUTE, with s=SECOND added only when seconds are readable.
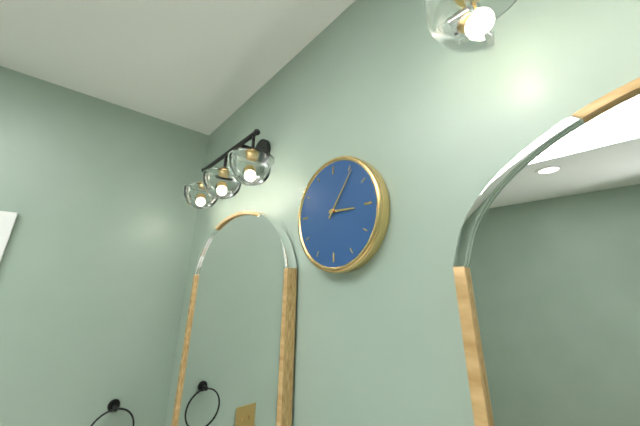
h=3 m=6
